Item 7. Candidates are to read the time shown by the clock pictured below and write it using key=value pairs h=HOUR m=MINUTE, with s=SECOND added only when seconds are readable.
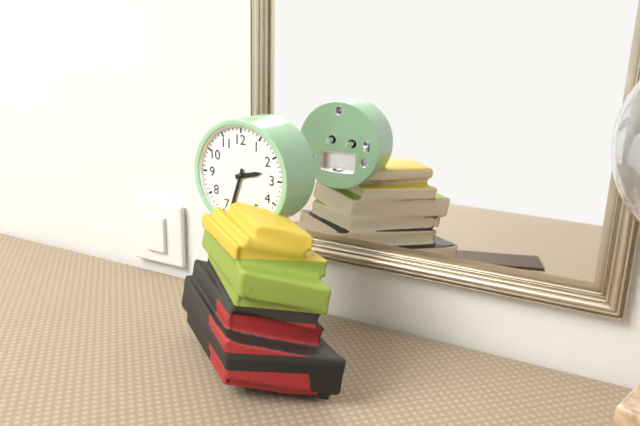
h=2 m=33
